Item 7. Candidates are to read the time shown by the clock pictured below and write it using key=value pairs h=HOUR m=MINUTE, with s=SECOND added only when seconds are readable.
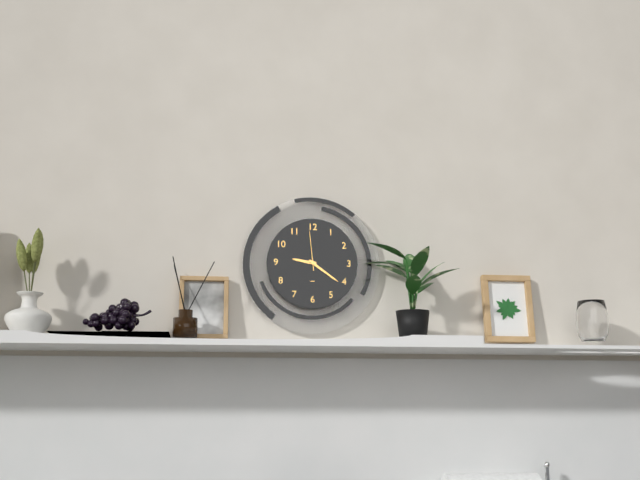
h=9 m=21
